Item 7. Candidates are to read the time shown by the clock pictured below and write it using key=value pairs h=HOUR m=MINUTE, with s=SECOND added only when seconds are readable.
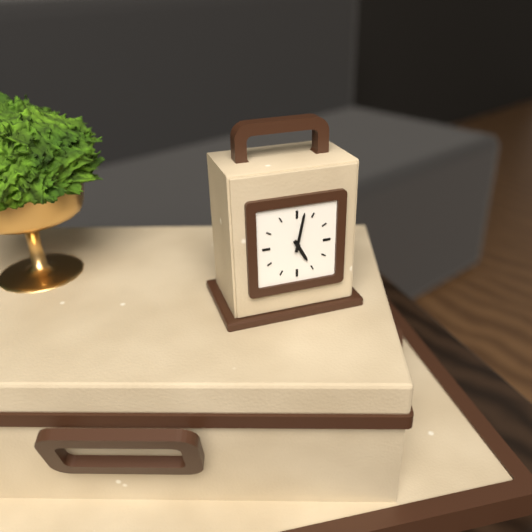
h=5 m=2
